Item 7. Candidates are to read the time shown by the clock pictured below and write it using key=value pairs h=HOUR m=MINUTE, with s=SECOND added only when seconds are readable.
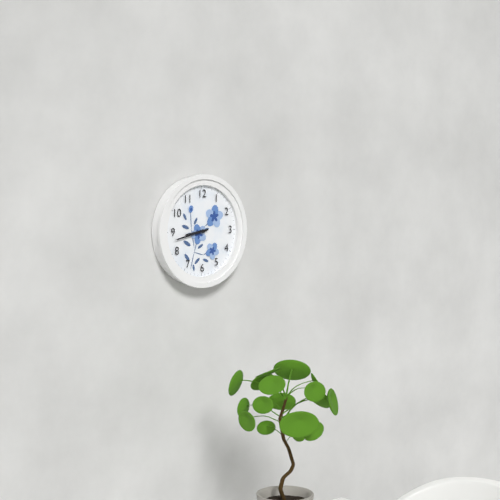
h=8 m=43
